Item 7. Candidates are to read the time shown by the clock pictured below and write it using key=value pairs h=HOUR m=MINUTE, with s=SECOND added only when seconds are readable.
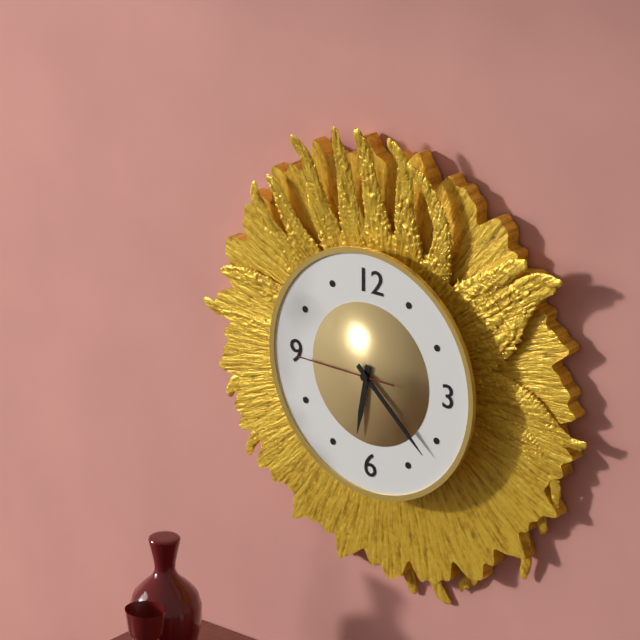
h=6 m=22 s=45
